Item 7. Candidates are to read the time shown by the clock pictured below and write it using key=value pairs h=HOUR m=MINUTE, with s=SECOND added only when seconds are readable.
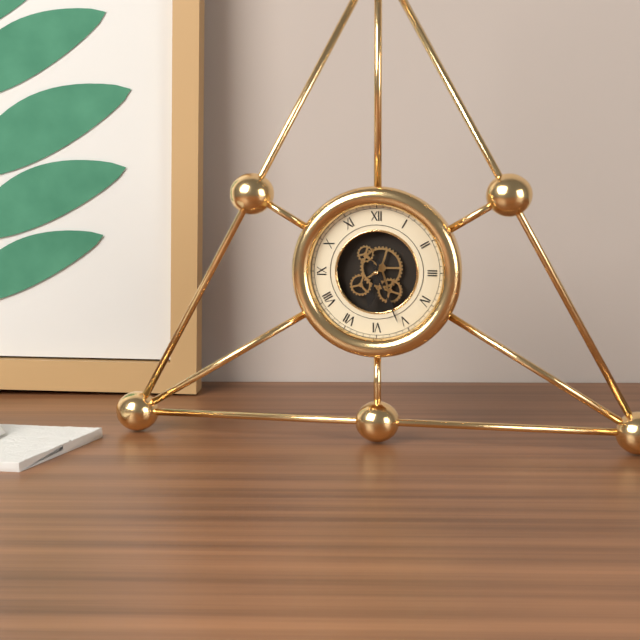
h=6 m=26
